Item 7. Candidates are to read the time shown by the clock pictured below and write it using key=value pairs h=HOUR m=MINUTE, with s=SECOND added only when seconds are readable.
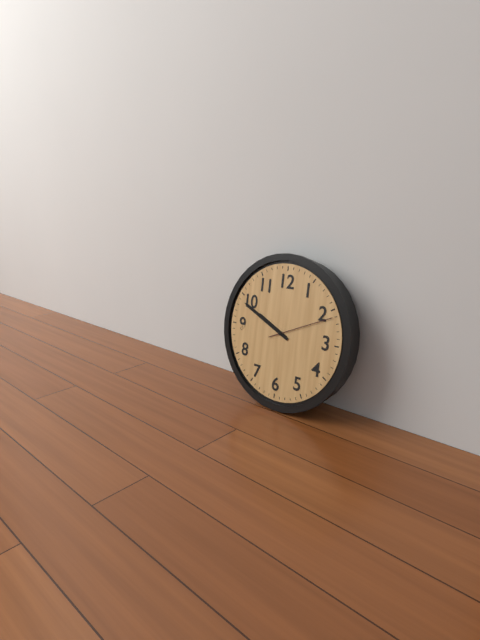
h=9 m=49 s=11
